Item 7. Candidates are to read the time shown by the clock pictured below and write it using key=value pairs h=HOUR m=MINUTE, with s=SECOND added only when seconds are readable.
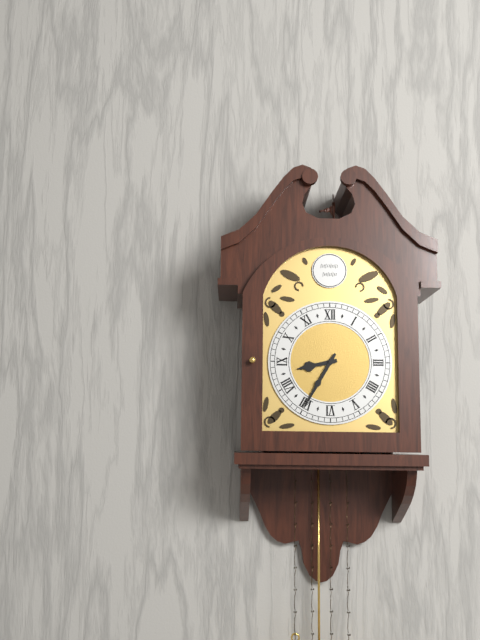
h=8 m=35
